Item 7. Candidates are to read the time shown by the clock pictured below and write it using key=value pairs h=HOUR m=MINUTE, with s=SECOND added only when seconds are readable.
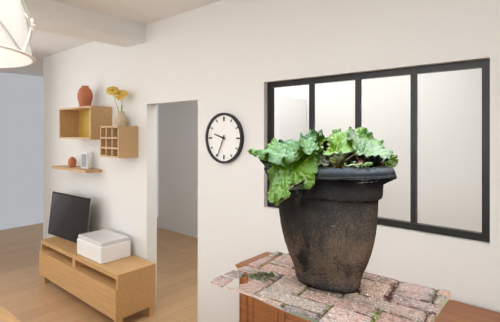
h=9 m=34
